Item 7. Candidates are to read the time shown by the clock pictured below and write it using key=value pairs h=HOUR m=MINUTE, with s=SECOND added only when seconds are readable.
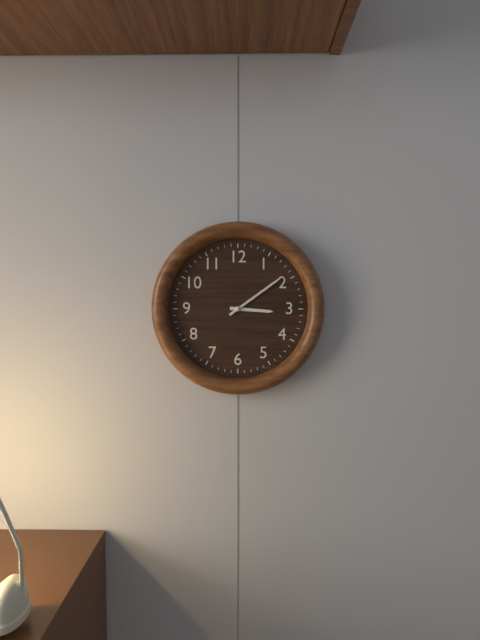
h=3 m=9
